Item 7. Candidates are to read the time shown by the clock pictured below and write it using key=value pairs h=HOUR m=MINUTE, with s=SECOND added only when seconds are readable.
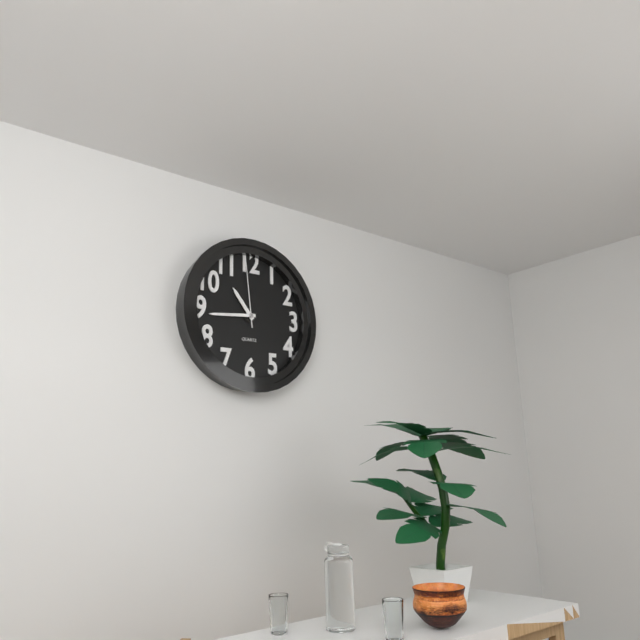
h=10 m=44 s=59
